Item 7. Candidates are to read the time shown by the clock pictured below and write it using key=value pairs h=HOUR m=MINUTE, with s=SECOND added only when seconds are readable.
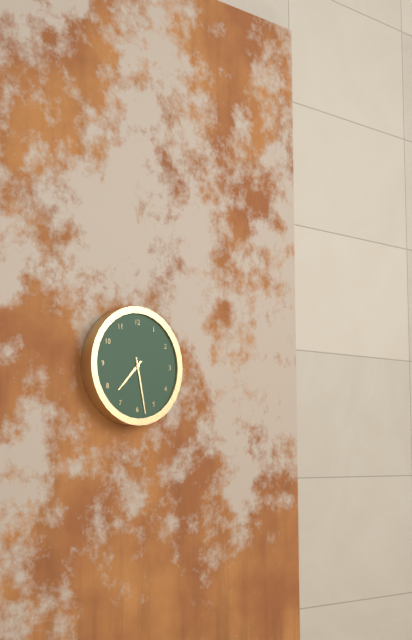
h=7 m=28
